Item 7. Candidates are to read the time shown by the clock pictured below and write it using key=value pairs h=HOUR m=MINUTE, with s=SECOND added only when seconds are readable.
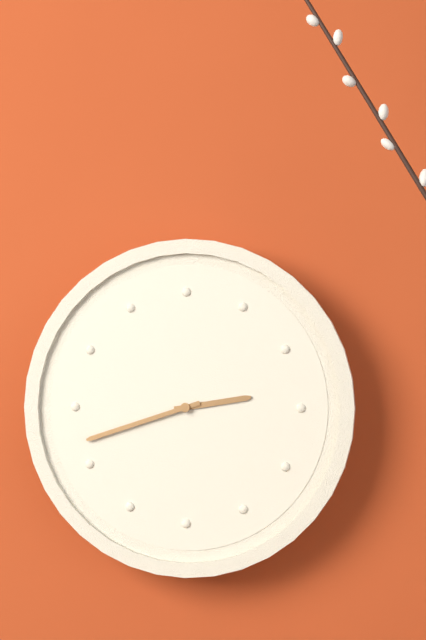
h=2 m=42
